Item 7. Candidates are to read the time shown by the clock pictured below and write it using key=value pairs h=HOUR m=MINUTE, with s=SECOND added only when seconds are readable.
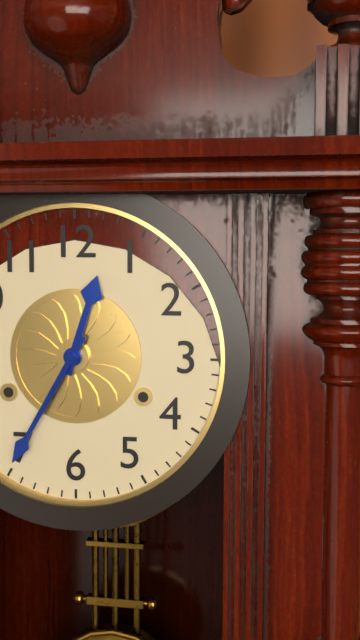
h=12 m=35
